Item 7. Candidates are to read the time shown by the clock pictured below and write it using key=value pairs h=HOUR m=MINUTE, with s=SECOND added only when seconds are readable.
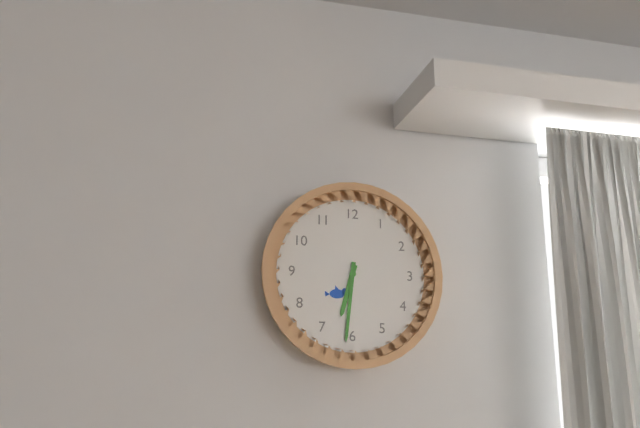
h=6 m=31
